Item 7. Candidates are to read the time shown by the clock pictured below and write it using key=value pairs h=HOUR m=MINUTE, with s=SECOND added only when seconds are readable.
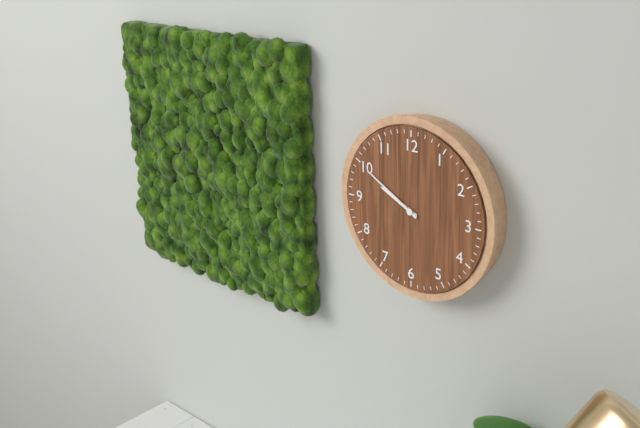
h=9 m=50
